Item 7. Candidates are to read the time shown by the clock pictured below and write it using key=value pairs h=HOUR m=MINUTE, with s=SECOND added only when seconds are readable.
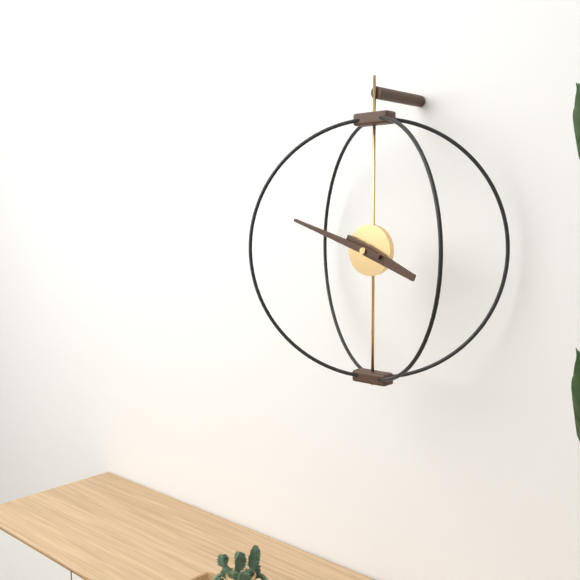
h=3 m=48
